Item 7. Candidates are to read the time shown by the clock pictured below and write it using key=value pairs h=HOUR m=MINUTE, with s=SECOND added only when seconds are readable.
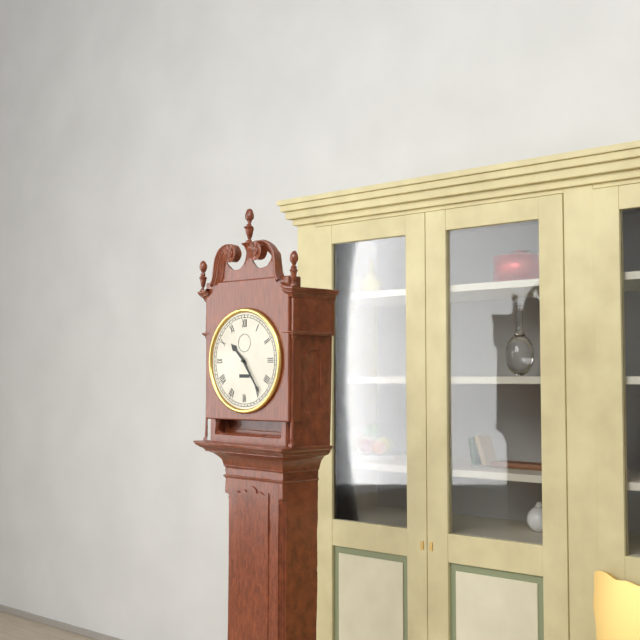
h=10 m=24
